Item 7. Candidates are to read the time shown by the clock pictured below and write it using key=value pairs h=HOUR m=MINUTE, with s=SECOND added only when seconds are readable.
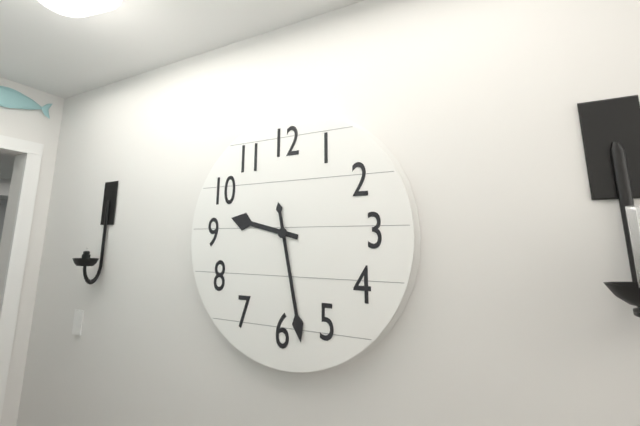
h=9 m=28
